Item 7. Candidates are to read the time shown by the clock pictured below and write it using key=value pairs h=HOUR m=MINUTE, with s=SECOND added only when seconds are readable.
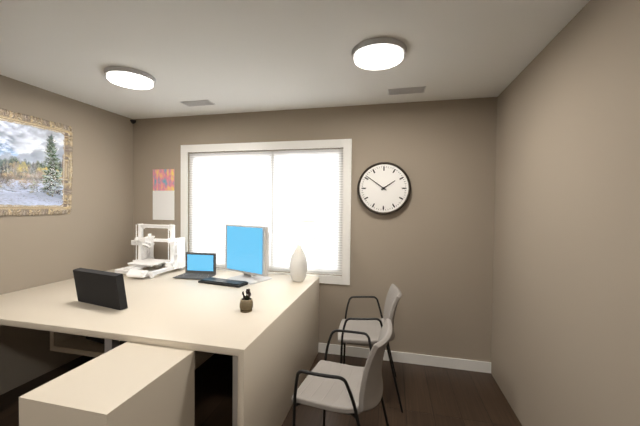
h=1 m=51
